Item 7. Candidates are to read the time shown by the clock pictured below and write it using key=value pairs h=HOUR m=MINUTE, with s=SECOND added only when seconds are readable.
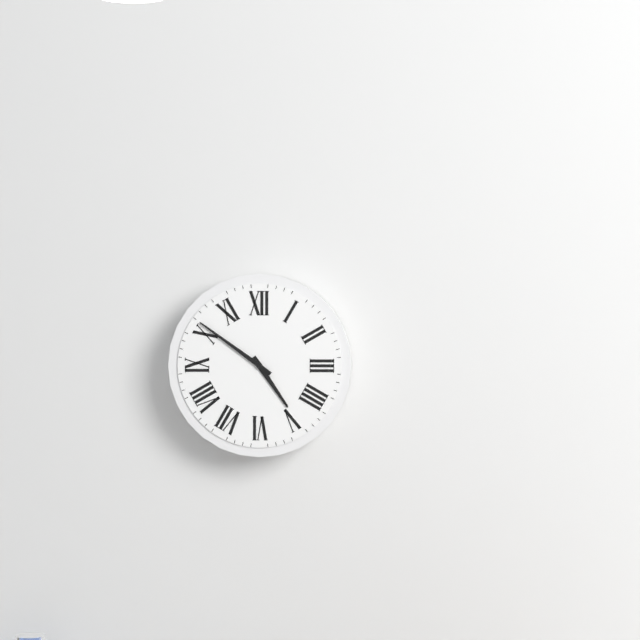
h=4 m=51
